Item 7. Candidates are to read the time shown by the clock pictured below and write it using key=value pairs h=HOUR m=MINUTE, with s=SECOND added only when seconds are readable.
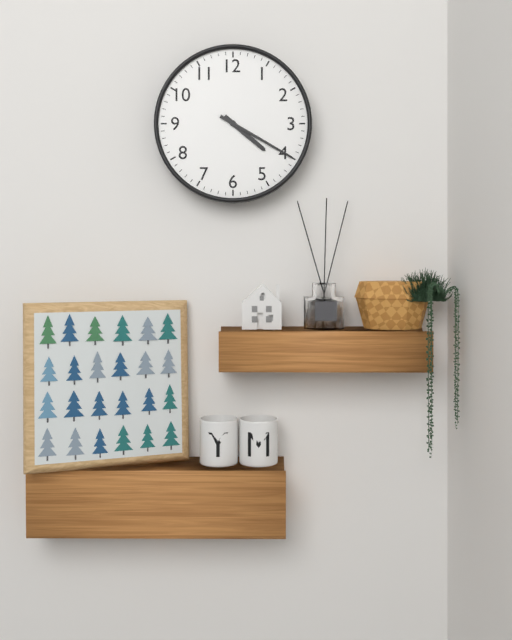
h=4 m=20
